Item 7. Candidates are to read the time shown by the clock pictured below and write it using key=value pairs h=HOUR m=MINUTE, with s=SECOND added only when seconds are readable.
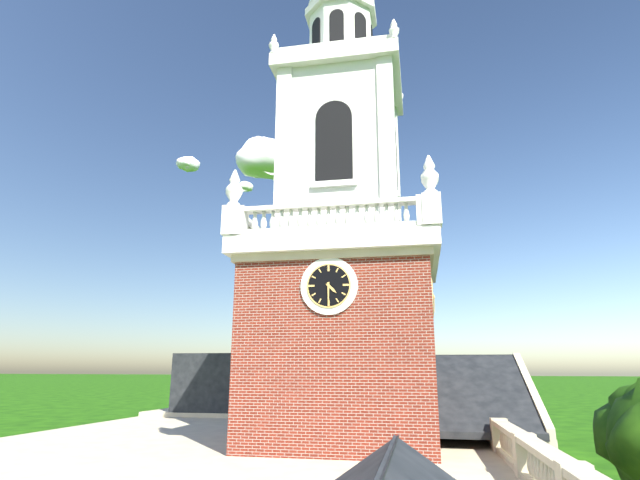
h=4 m=30
